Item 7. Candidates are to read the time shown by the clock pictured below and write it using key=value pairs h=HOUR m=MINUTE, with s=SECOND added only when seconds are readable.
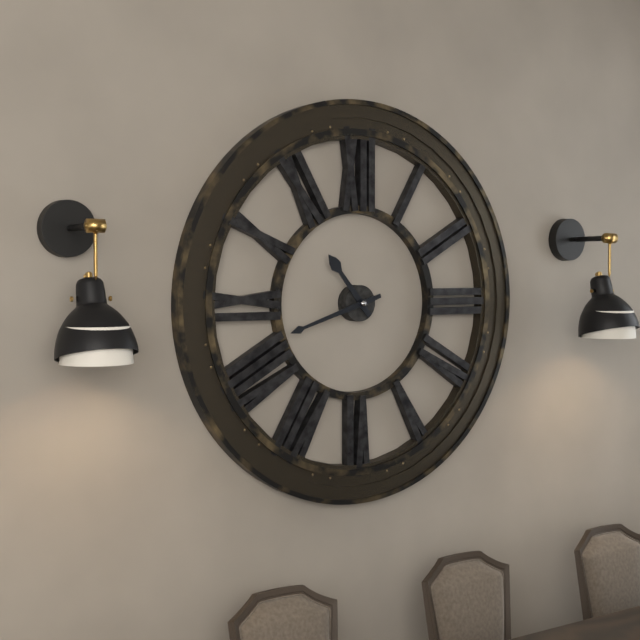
h=10 m=42
